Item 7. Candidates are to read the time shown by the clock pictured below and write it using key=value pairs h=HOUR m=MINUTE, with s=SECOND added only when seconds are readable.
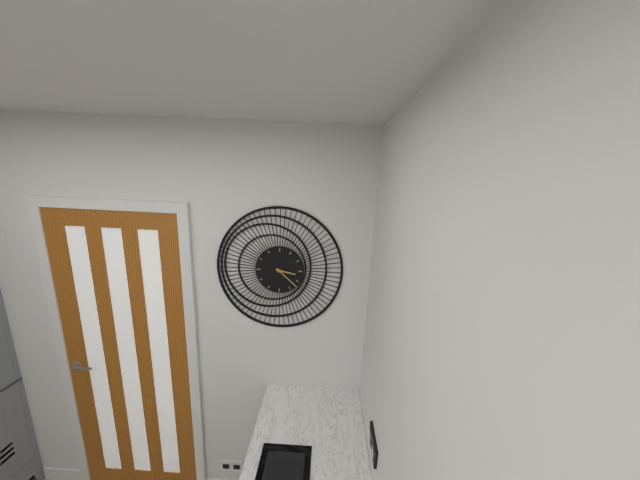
h=3 m=22
